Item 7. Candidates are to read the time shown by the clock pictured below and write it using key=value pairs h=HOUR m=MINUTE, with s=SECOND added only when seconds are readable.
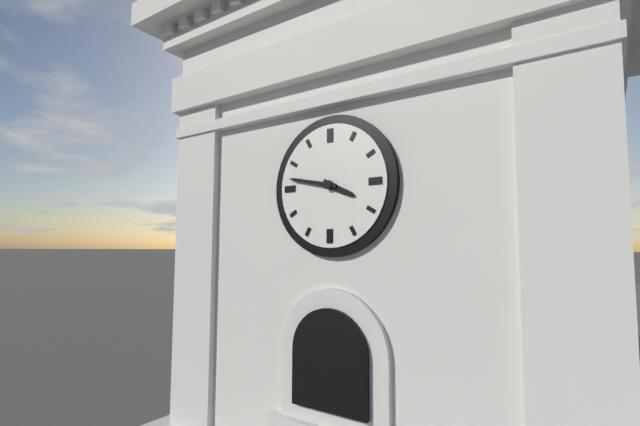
h=3 m=47
